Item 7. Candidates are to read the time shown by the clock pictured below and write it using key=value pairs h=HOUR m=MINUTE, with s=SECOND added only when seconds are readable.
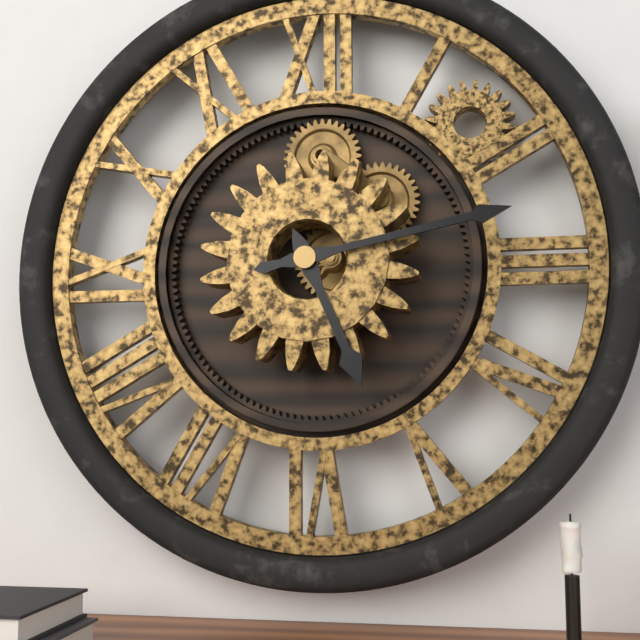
h=5 m=13
